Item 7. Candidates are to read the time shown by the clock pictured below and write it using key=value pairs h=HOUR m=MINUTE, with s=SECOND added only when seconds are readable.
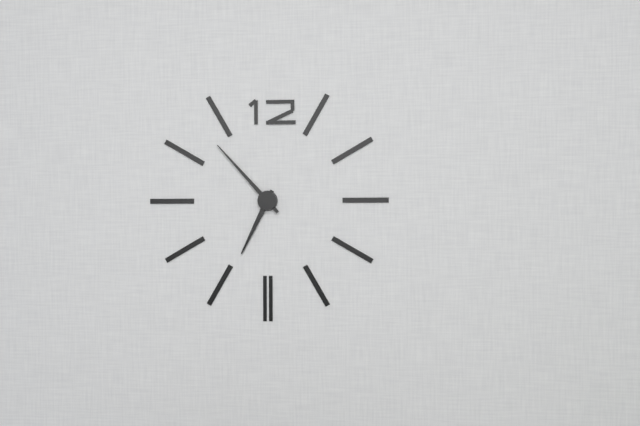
h=6 m=53
